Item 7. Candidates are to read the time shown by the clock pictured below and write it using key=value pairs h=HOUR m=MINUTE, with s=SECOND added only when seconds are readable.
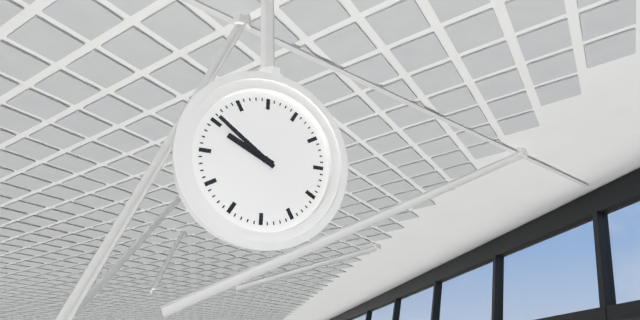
h=9 m=51
